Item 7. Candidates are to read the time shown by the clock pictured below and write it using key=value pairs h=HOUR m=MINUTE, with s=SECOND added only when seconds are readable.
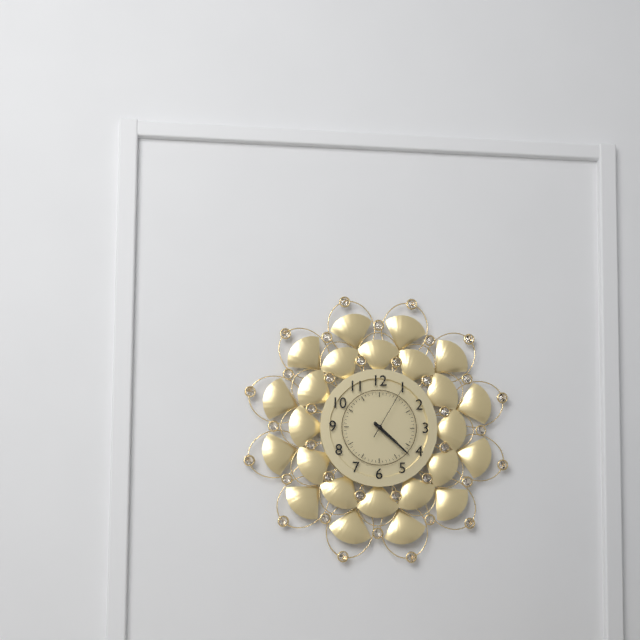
h=4 m=22 s=5
